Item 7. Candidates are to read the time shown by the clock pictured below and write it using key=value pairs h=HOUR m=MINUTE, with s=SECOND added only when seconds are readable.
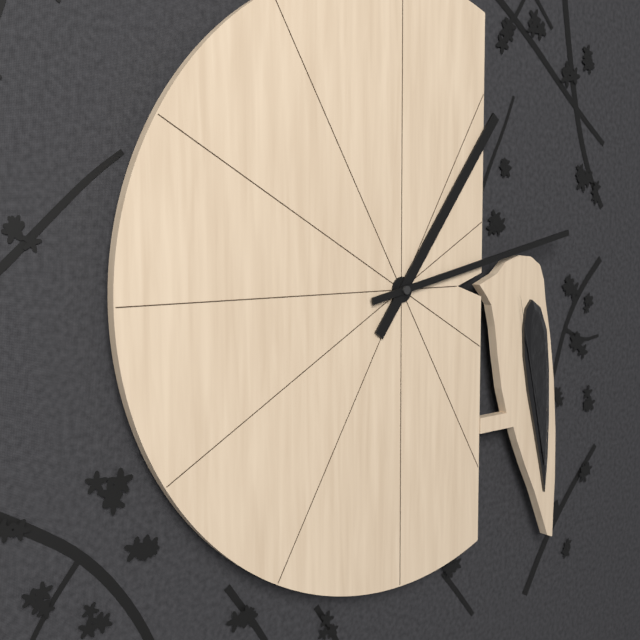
h=1 m=13
